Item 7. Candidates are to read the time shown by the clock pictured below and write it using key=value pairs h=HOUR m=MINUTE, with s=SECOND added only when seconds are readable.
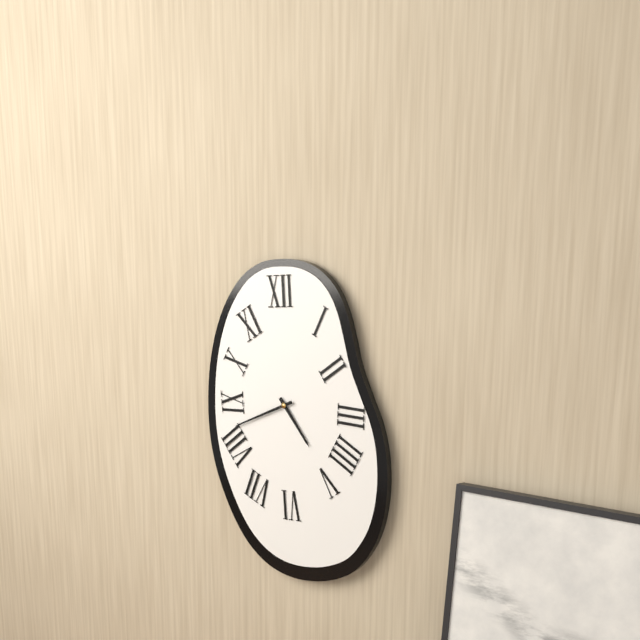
h=4 m=41
